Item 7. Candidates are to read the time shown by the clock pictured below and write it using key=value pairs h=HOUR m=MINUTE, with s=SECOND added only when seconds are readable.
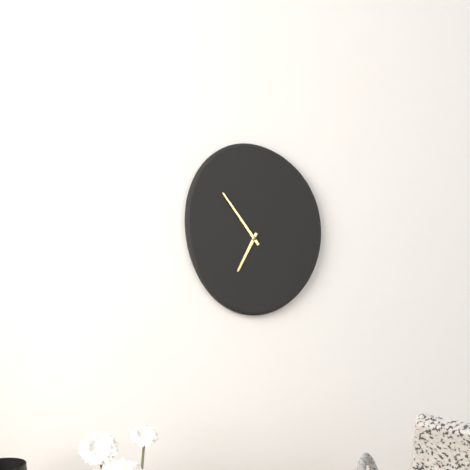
h=6 m=54
